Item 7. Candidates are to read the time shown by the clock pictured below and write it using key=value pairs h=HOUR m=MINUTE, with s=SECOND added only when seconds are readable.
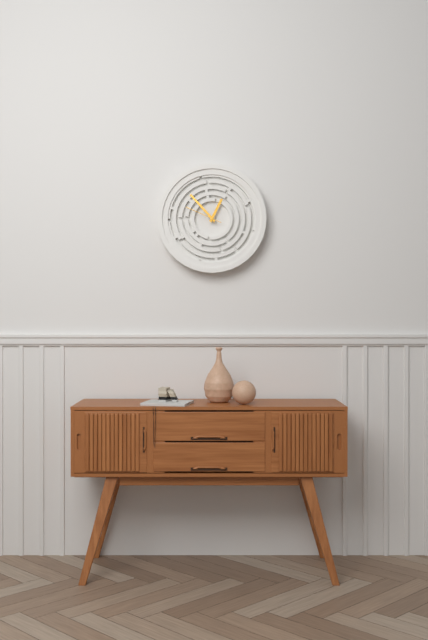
h=12 m=53
